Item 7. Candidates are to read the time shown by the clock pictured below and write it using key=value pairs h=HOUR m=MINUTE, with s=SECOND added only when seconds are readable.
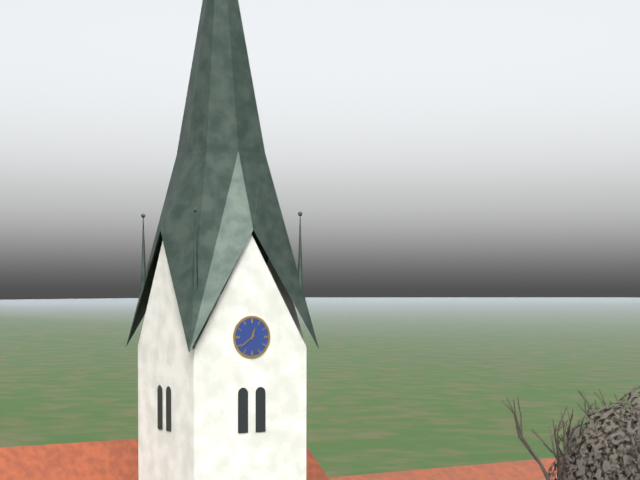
h=12 m=39
